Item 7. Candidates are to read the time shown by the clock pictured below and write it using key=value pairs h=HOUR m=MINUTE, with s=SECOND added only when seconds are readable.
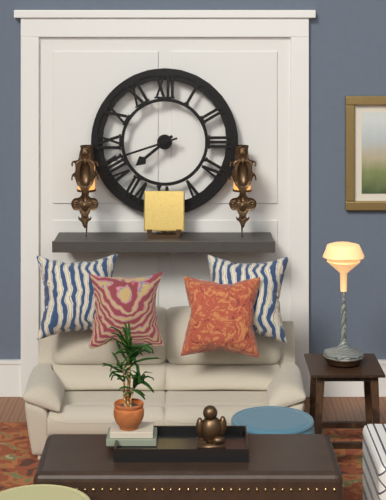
h=7 m=42
